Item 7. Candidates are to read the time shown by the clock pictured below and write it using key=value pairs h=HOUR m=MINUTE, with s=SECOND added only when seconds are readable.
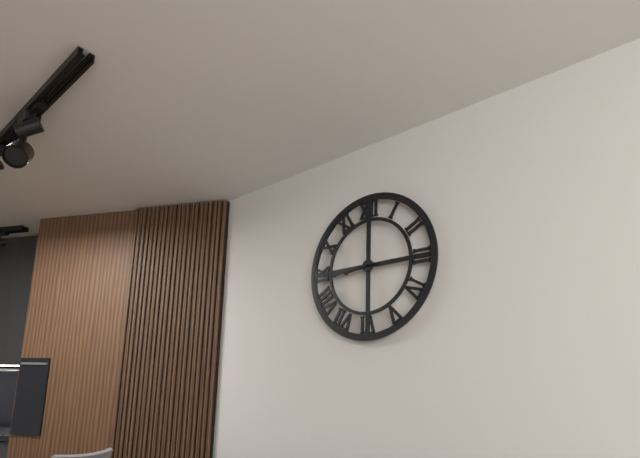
h=8 m=44
